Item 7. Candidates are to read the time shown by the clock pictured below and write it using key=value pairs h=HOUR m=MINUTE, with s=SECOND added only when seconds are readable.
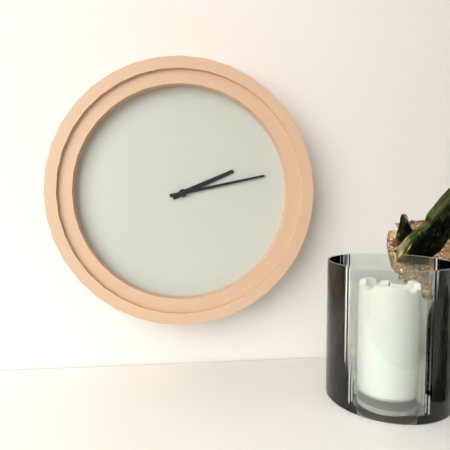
h=2 m=13
